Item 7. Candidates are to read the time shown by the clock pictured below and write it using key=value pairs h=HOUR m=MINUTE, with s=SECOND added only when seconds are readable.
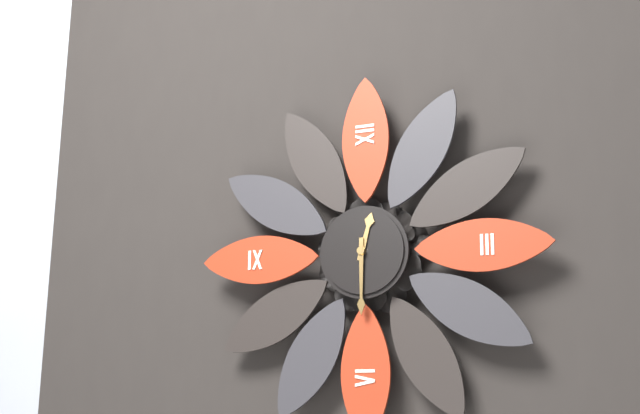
h=12 m=30
